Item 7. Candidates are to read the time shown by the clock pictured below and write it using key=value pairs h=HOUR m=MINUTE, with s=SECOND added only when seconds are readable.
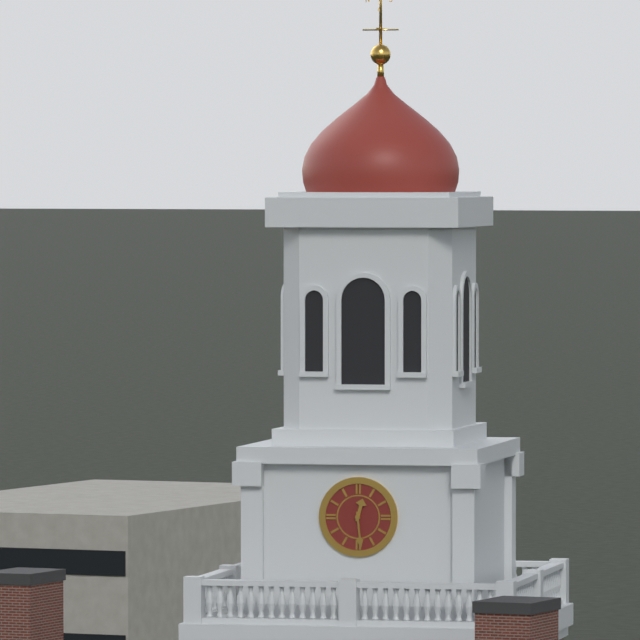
h=12 m=29
